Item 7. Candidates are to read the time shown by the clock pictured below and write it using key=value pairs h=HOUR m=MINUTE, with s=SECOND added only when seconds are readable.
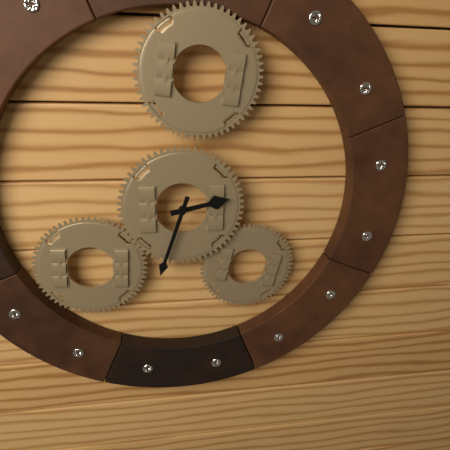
h=2 m=33
